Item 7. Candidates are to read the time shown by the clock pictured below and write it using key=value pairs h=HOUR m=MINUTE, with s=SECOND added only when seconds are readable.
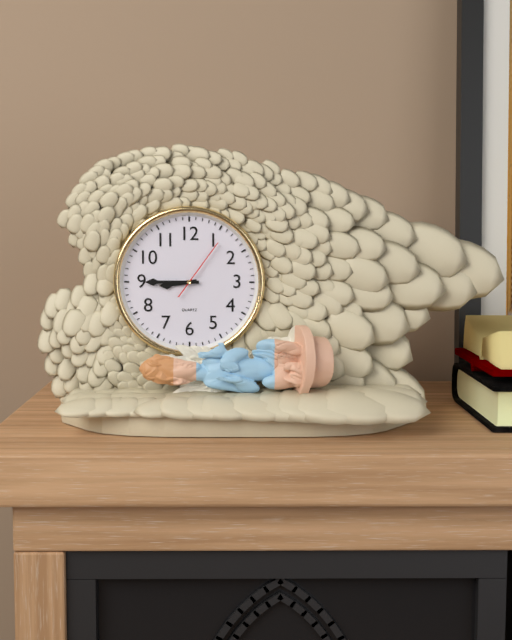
h=8 m=45 s=6
